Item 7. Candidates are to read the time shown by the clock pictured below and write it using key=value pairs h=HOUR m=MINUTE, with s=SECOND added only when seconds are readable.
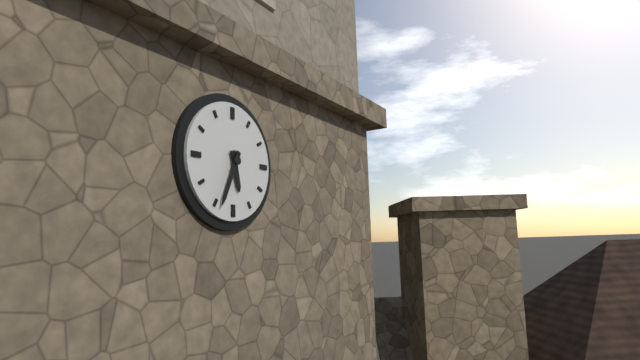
h=5 m=34
